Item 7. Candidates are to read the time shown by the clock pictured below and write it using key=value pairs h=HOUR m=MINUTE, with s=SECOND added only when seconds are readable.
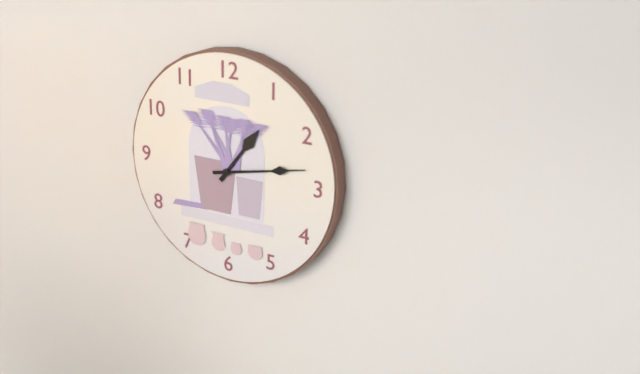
h=1 m=13
